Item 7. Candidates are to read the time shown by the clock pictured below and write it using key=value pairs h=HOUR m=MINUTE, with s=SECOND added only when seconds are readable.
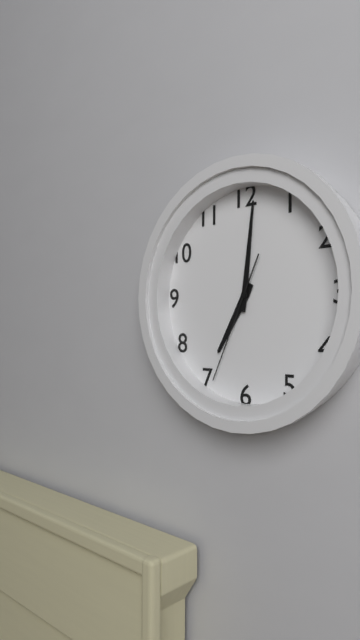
h=7 m=1 s=34
